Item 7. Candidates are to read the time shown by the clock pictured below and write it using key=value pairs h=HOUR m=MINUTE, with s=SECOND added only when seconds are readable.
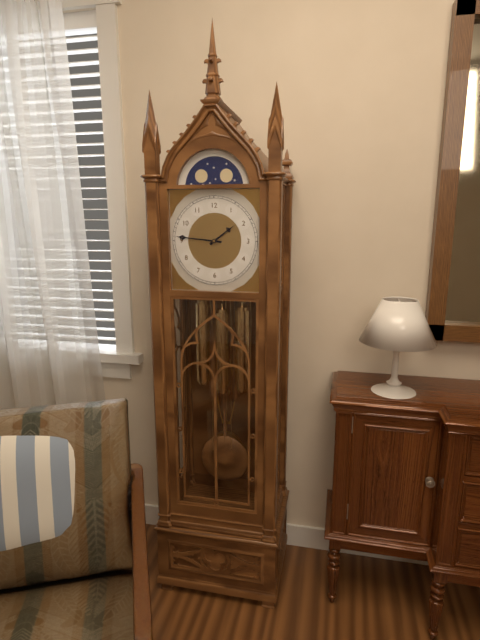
h=1 m=46
